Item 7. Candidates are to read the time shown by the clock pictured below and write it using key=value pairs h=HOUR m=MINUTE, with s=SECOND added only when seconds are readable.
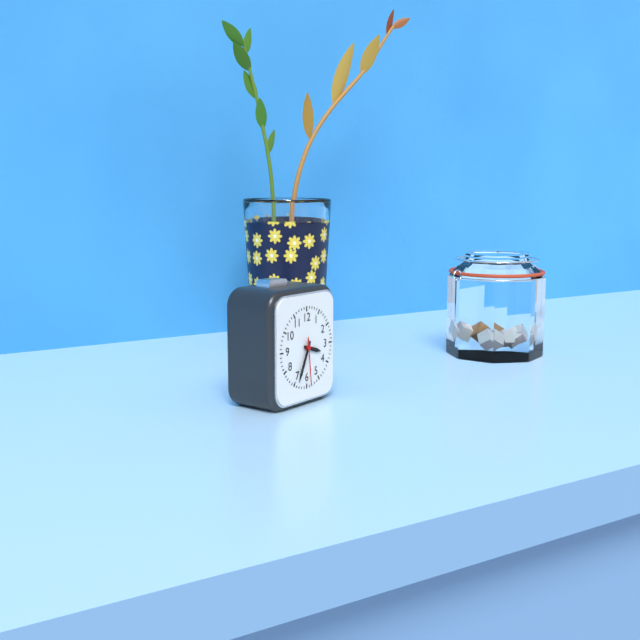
h=3 m=34
